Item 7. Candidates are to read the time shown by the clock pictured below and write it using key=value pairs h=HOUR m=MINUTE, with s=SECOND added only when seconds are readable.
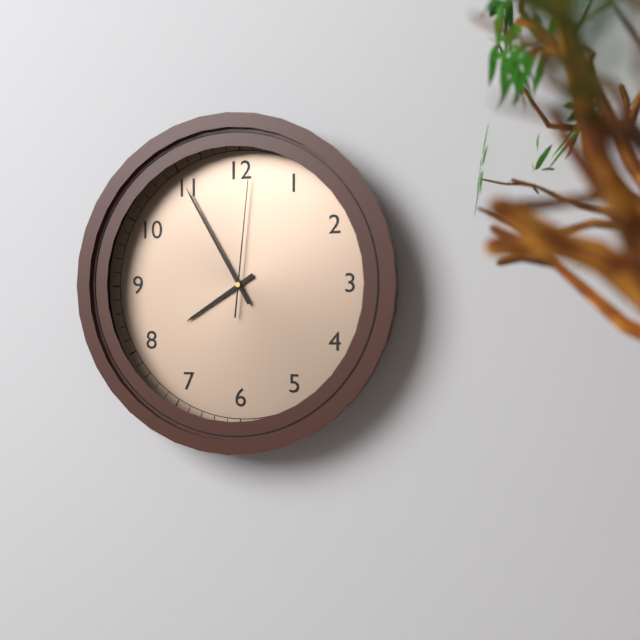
h=7 m=55 s=1
